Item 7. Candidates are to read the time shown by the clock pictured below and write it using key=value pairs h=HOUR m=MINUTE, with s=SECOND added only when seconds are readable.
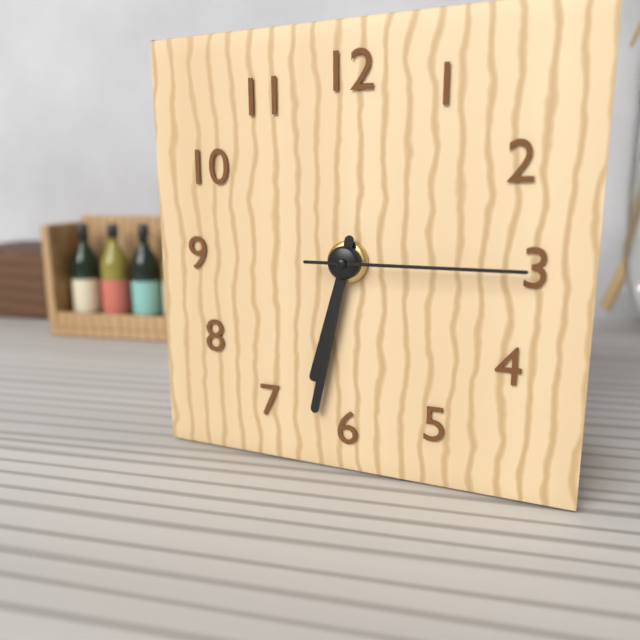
h=6 m=32 s=15
